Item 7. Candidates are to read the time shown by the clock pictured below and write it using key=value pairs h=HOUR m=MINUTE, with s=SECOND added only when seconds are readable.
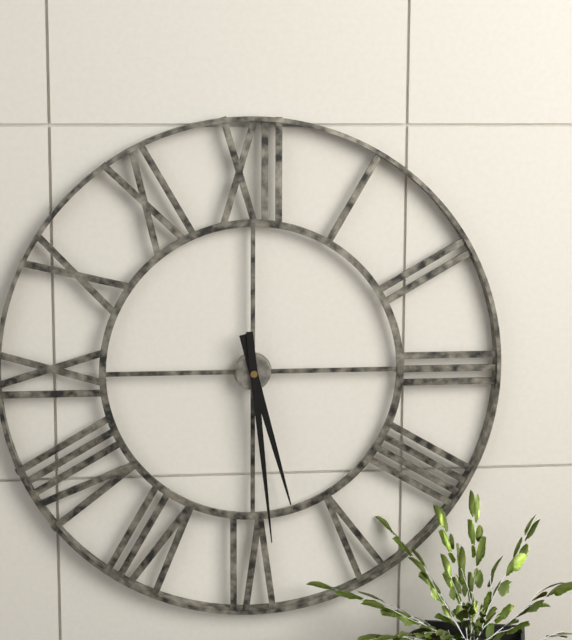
h=5 m=29
